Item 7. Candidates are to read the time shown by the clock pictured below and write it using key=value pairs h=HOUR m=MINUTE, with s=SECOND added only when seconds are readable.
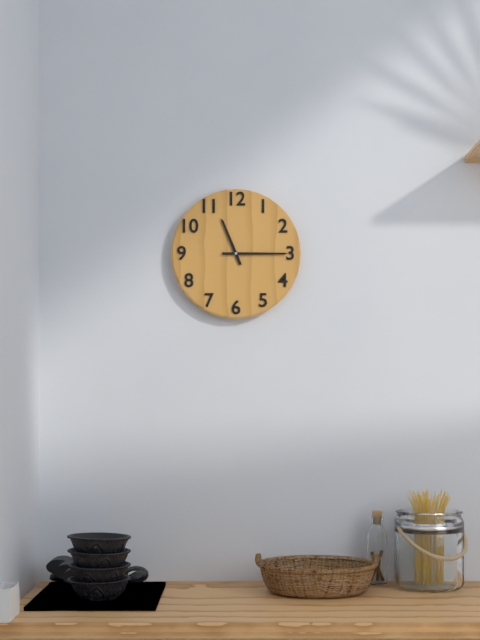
h=11 m=15
